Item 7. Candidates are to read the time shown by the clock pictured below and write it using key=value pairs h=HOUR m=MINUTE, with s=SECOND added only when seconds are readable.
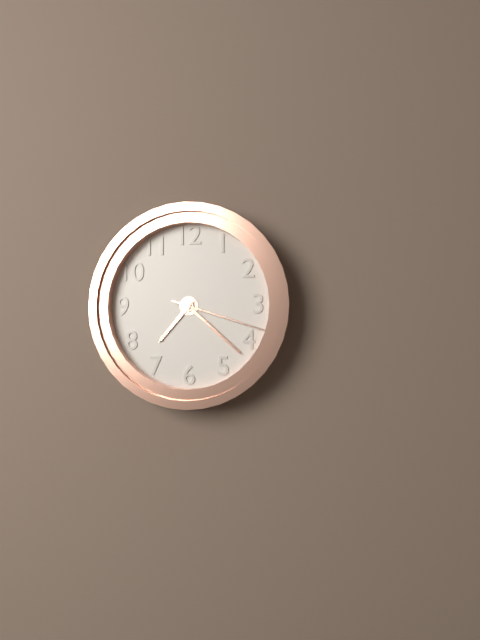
h=7 m=22 s=18
